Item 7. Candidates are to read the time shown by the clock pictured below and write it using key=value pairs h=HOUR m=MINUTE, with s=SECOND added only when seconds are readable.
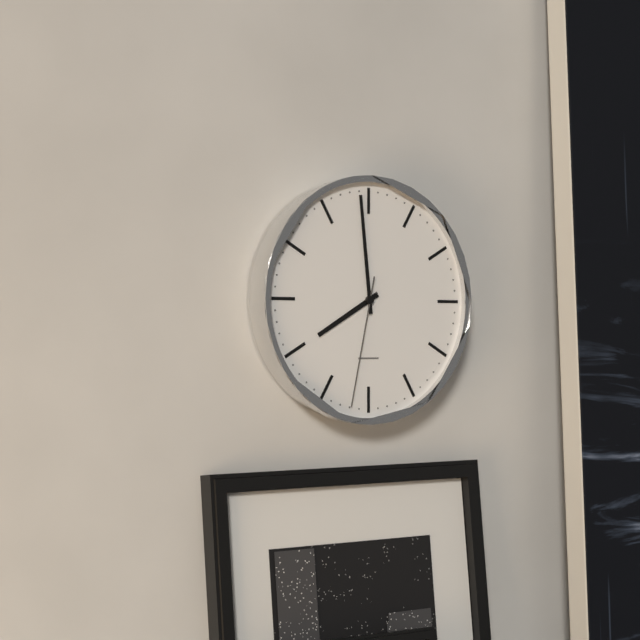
h=7 m=59 s=32
